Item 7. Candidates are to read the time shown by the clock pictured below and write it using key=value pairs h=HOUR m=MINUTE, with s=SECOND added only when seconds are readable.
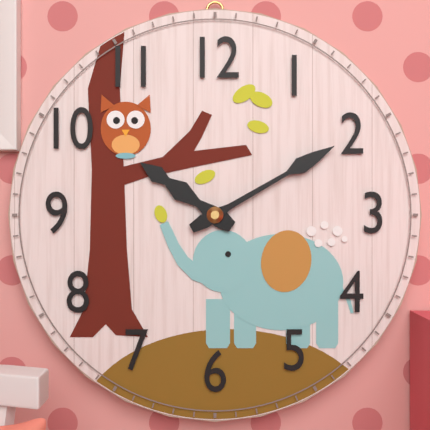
h=10 m=10
